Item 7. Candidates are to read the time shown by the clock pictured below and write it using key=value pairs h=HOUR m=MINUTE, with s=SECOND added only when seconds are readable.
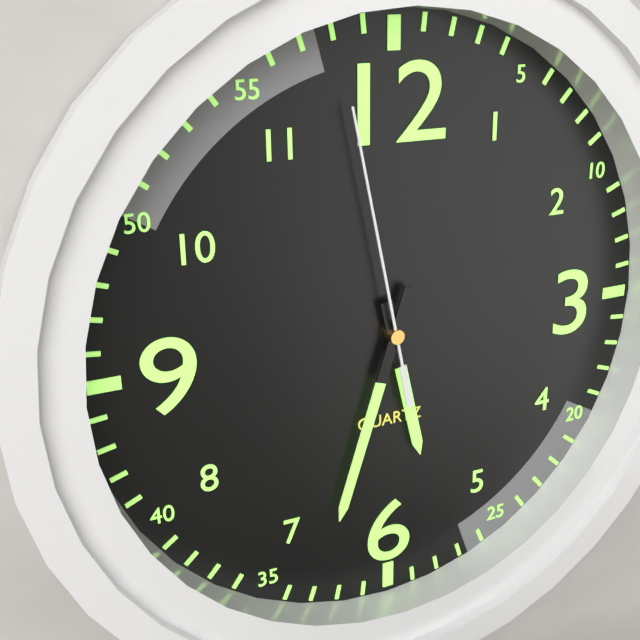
h=5 m=33 s=58
